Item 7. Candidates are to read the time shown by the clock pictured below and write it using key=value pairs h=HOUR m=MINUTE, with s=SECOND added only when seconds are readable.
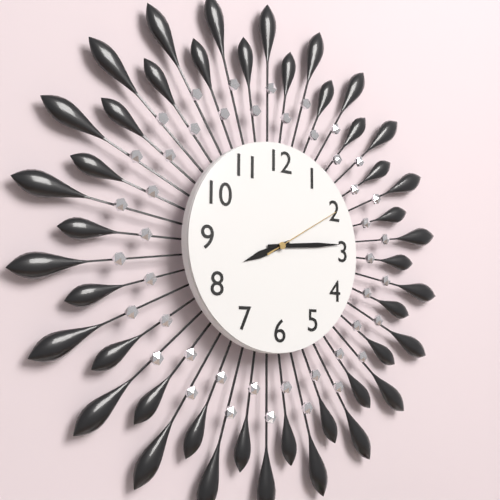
h=8 m=14 s=10
